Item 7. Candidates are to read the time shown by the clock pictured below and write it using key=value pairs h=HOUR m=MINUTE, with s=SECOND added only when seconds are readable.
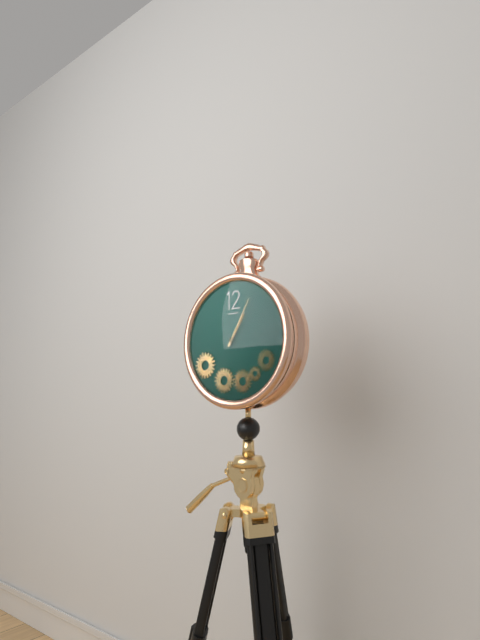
h=1 m=5
